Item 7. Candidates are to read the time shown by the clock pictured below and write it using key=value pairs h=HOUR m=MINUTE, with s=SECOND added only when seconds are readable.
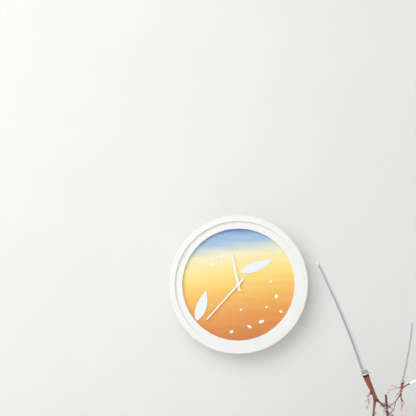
h=11 m=37
